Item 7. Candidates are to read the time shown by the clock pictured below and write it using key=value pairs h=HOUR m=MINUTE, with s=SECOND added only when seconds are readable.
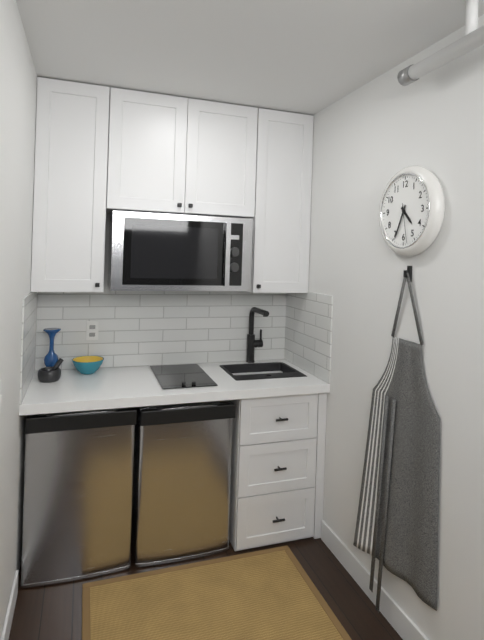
h=4 m=34
